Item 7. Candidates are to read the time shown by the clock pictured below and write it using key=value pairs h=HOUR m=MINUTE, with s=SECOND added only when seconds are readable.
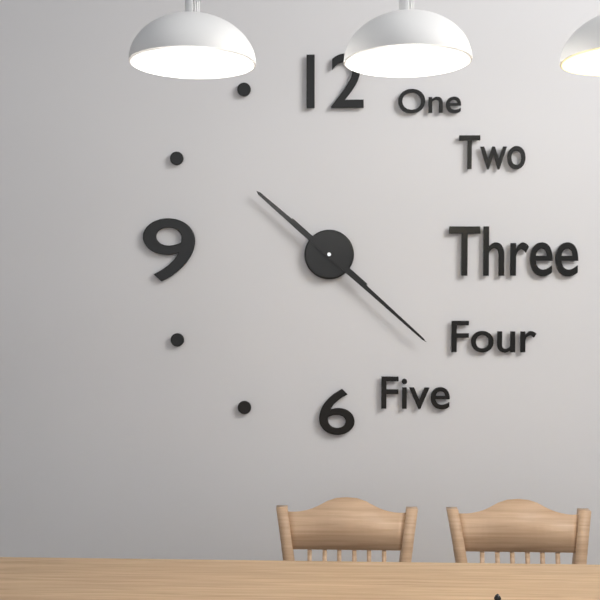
h=10 m=22
